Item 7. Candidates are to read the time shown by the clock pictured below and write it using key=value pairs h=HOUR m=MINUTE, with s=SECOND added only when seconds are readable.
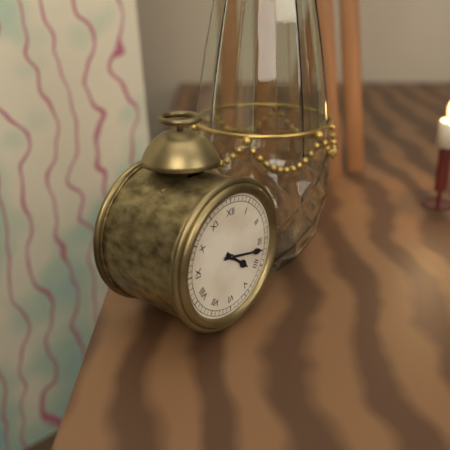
h=4 m=17
